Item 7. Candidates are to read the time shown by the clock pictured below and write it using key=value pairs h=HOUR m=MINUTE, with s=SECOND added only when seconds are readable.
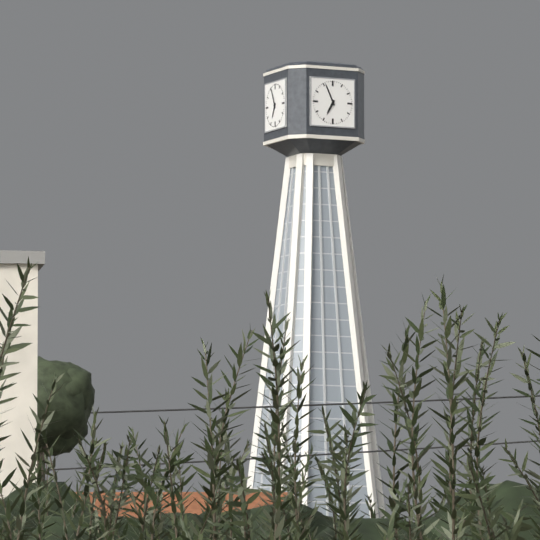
h=6 m=56
